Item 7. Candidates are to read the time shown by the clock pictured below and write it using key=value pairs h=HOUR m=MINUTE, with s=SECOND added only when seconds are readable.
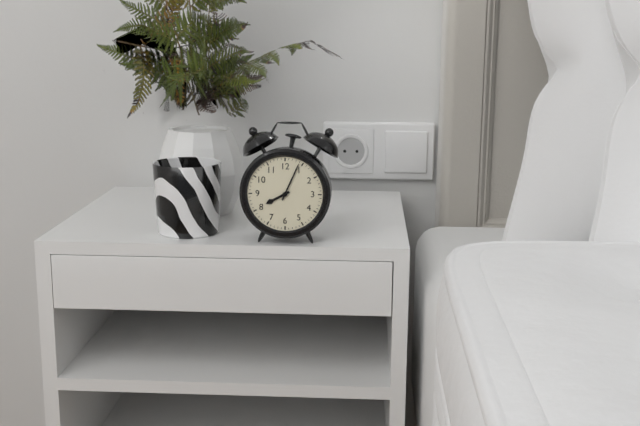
h=8 m=4
